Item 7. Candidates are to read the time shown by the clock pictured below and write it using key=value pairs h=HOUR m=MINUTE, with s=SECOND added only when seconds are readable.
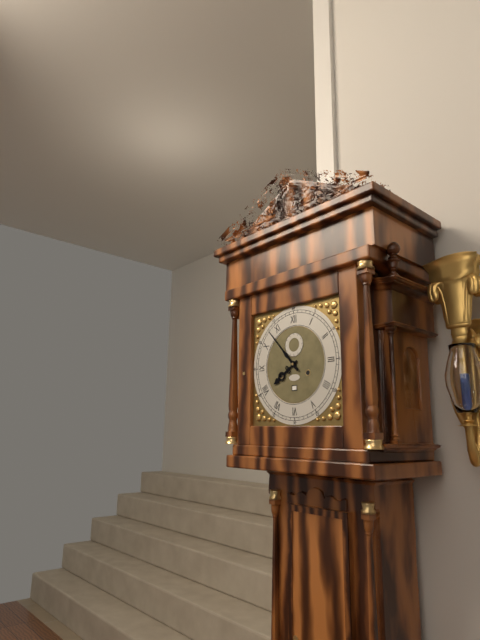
h=7 m=53
